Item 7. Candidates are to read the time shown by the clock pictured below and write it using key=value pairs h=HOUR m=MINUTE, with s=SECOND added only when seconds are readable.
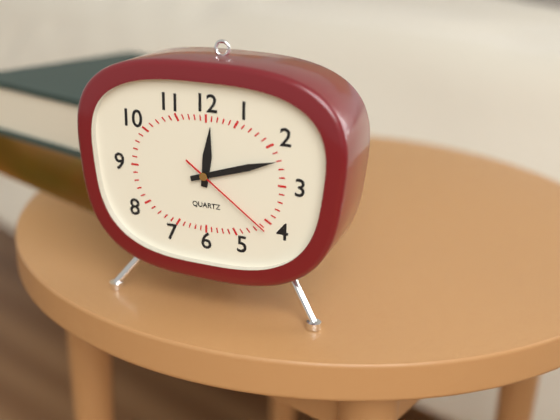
h=12 m=12 s=21
